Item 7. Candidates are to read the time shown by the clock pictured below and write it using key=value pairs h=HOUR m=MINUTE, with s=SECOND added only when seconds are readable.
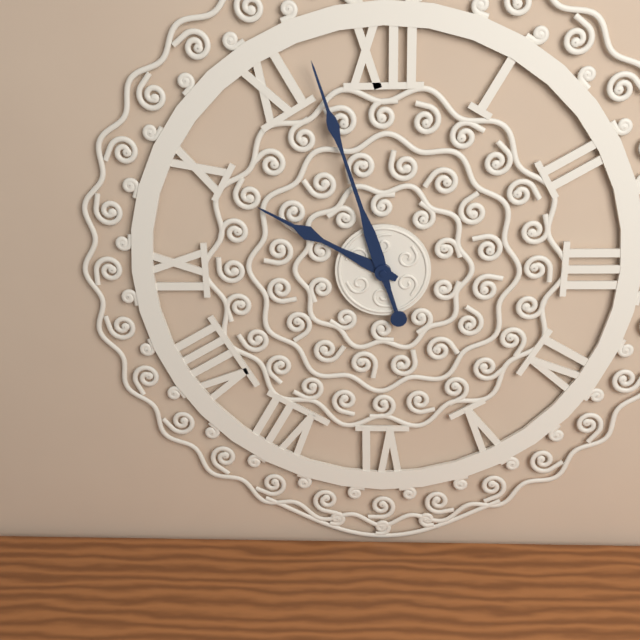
h=9 m=57
